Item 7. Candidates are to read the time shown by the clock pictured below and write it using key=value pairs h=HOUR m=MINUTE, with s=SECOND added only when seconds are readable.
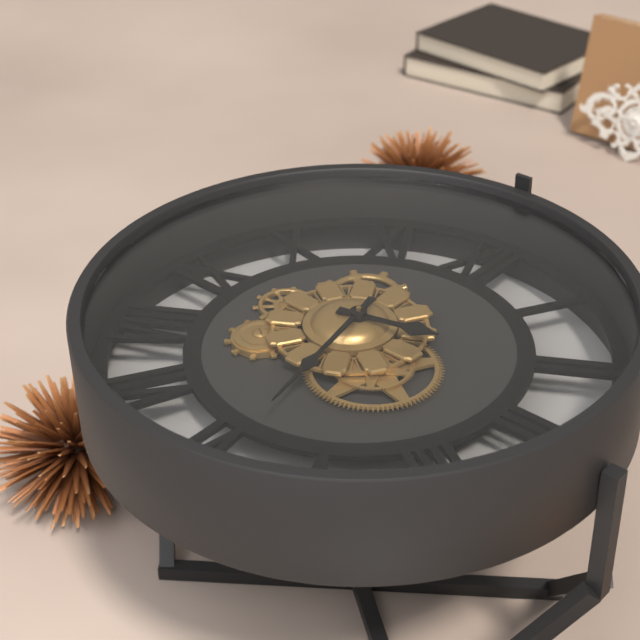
h=2 m=28
